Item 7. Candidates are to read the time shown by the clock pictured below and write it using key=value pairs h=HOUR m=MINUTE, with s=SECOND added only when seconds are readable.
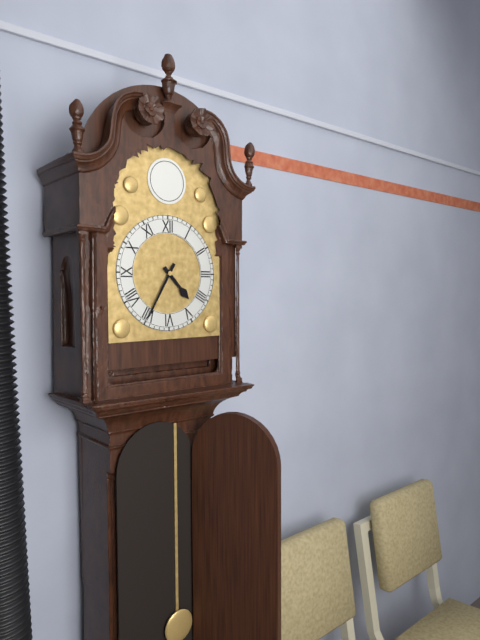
h=4 m=35
